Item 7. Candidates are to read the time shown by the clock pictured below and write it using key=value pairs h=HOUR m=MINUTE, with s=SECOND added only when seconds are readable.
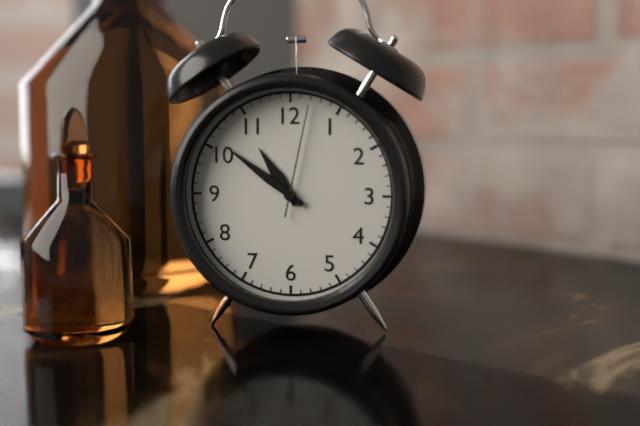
h=10 m=51 s=2
